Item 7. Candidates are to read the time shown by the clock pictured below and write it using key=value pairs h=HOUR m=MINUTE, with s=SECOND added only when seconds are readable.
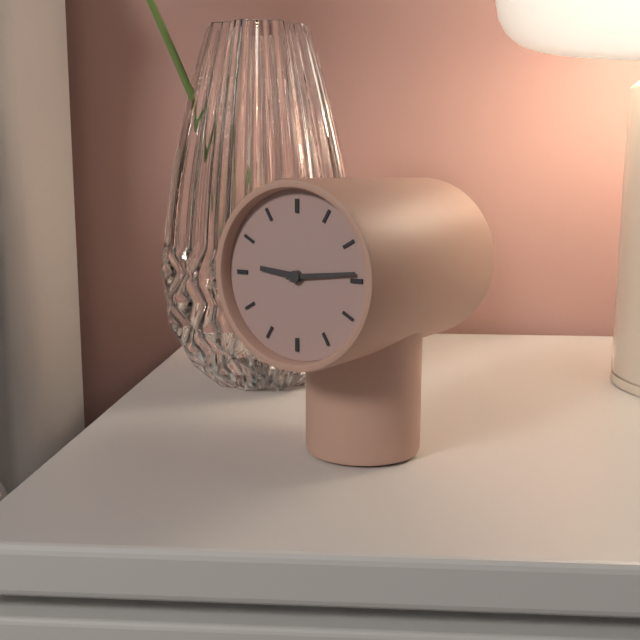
h=9 m=14
